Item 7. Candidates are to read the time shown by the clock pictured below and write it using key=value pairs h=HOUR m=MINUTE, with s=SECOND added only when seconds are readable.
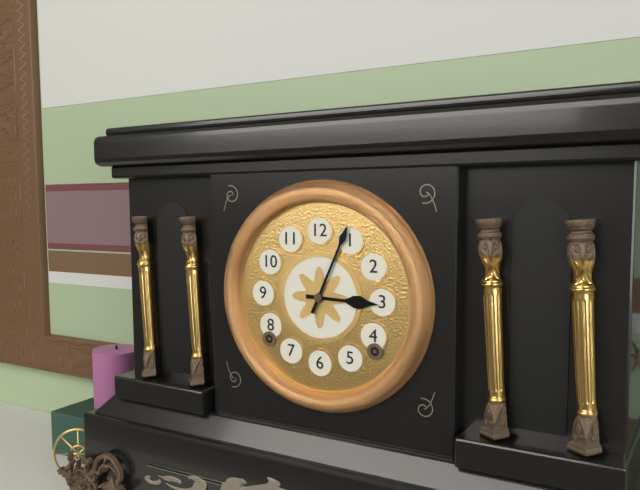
h=3 m=4
